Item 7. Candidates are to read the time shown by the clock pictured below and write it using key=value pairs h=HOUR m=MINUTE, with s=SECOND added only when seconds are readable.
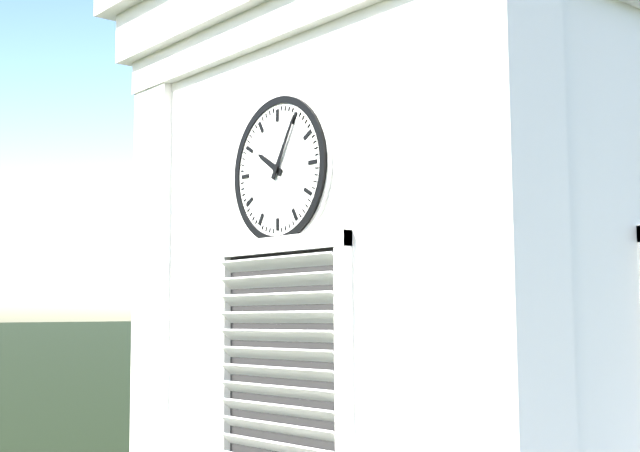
h=10 m=5
